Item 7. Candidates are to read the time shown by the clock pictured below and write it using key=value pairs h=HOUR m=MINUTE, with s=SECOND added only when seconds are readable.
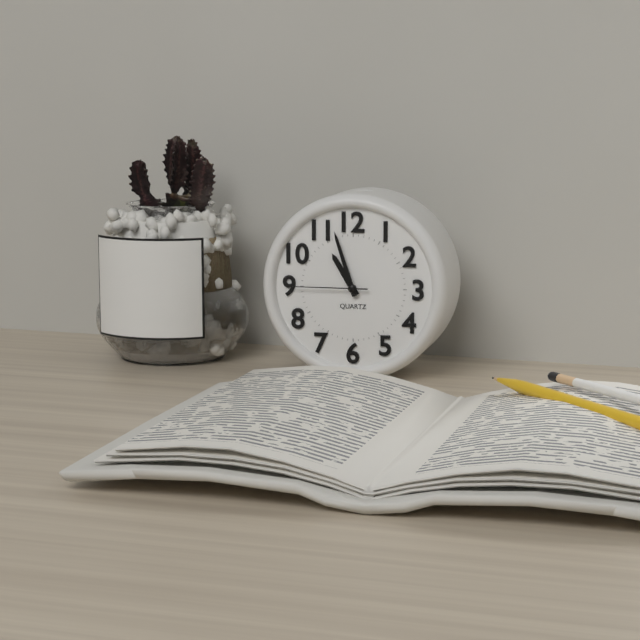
h=10 m=57 s=45
